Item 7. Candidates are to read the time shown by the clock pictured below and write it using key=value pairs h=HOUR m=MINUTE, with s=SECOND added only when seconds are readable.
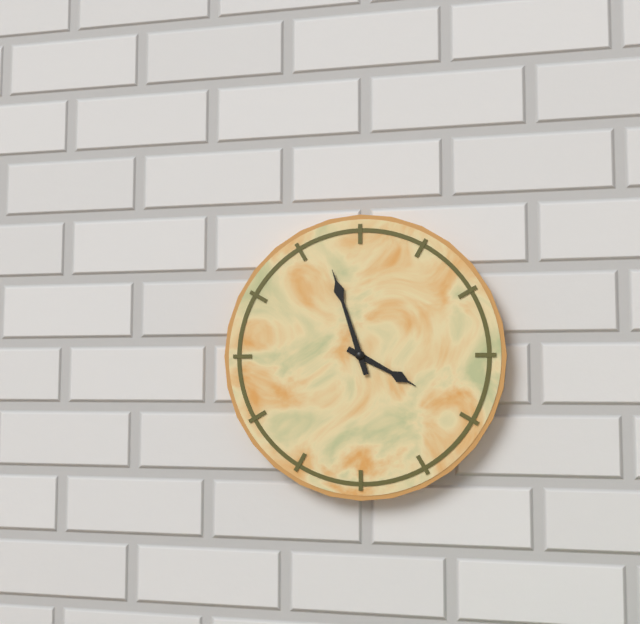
h=3 m=57
